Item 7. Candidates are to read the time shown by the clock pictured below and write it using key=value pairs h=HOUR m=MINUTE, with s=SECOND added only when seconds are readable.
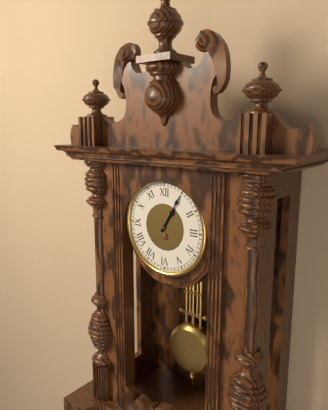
h=1 m=5
